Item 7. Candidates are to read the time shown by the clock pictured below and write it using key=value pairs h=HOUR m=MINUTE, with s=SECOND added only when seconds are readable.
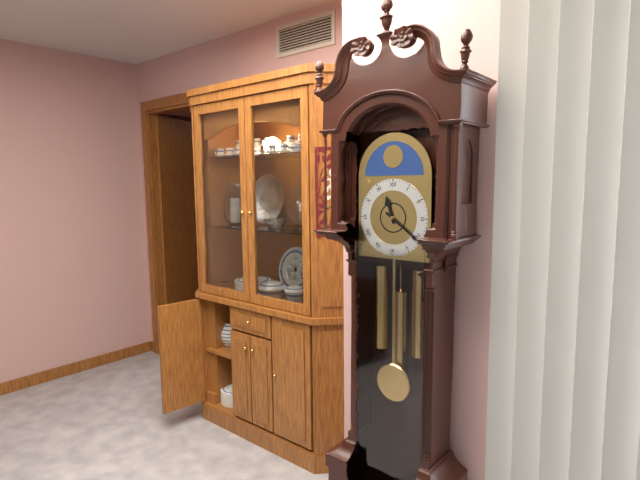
h=11 m=21
